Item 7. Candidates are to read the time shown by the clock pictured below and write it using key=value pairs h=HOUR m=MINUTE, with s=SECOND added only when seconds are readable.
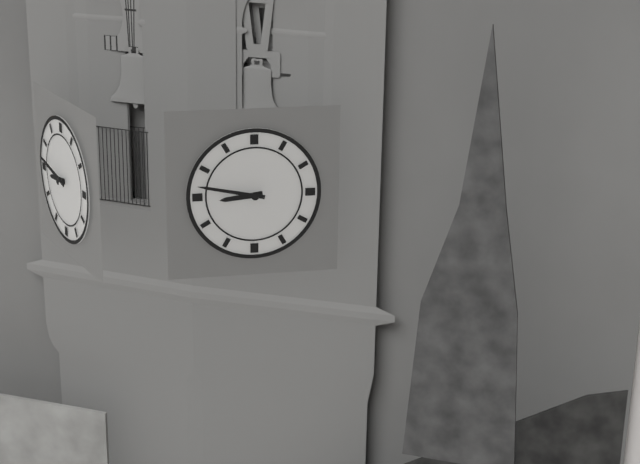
h=8 m=47
